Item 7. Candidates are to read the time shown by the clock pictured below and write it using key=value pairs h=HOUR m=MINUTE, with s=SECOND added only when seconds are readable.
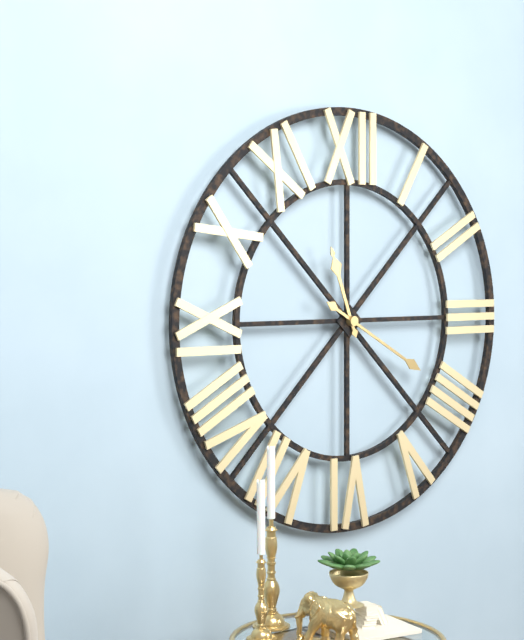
h=11 m=20
